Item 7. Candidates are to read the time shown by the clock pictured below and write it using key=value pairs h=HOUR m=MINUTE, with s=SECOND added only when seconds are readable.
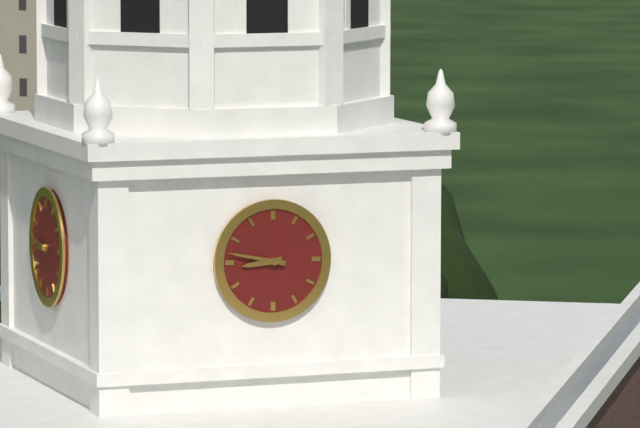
h=8 m=47
